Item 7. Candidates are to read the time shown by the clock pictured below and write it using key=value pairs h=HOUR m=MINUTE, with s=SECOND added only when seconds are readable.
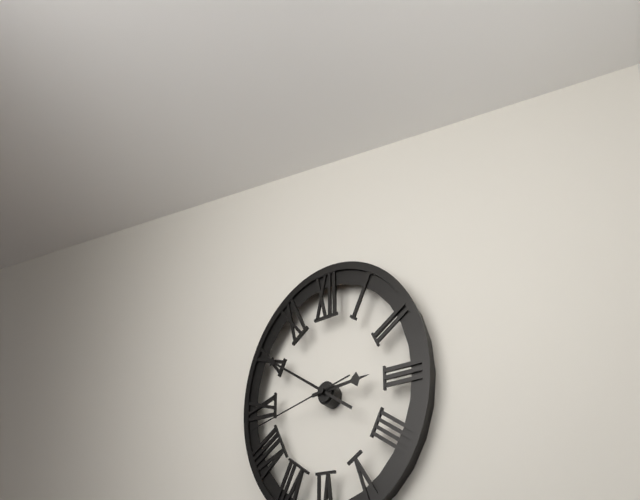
h=2 m=50 s=43
